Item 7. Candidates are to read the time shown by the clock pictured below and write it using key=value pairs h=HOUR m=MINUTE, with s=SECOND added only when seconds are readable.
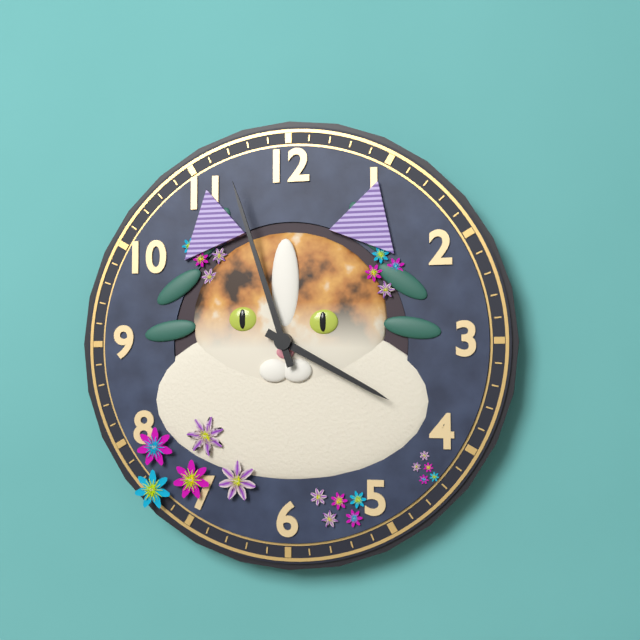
h=3 m=57
